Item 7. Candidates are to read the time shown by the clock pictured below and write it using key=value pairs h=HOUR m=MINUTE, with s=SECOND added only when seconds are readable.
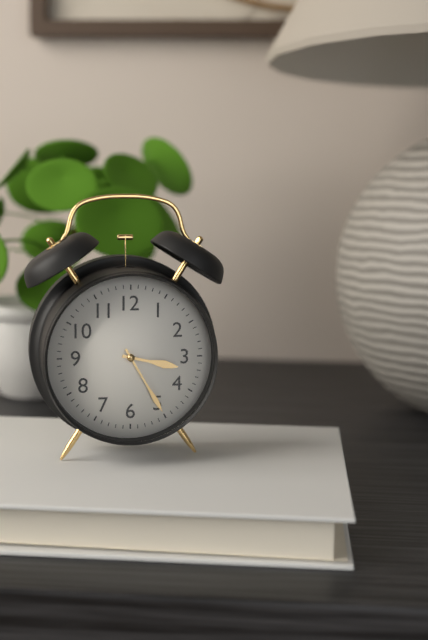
h=3 m=25
